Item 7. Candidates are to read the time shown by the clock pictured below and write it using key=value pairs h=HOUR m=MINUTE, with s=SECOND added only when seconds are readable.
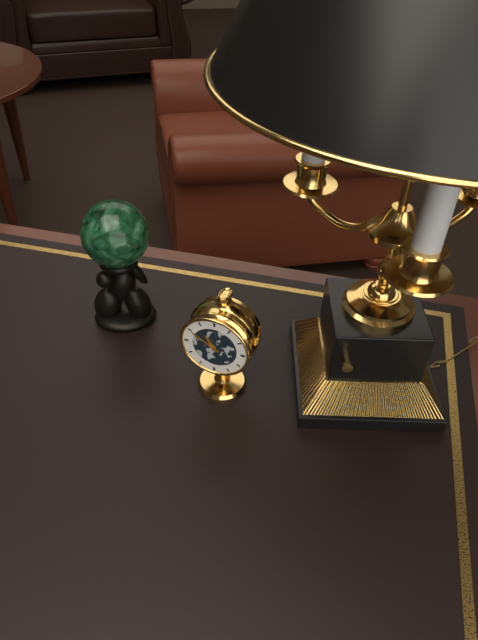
h=10 m=50
